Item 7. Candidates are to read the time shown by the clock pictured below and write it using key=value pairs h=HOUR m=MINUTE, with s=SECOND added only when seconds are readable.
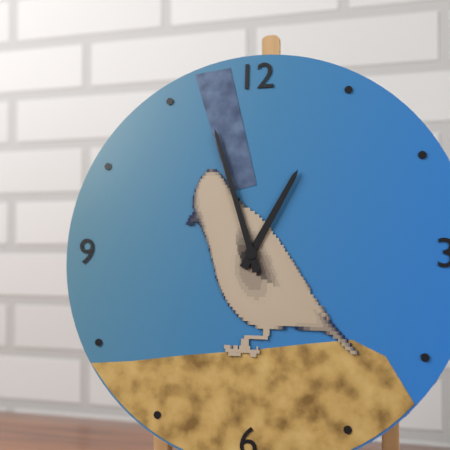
h=12 m=57
